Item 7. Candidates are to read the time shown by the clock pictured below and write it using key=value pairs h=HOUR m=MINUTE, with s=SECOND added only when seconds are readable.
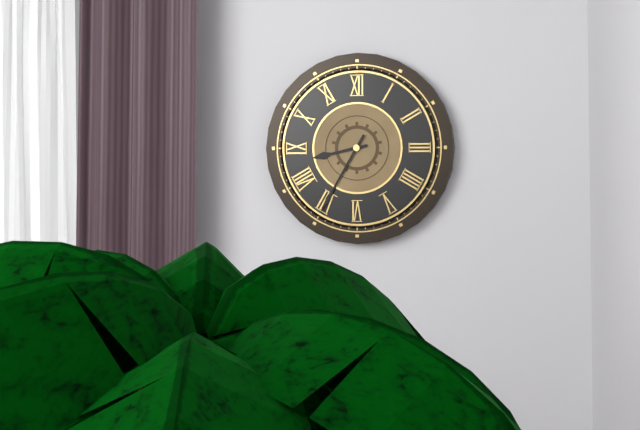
h=8 m=35
